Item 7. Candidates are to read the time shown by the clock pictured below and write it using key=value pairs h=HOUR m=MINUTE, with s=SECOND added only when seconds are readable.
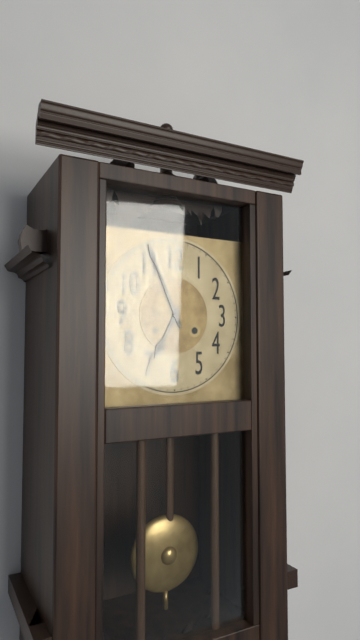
h=6 m=56
